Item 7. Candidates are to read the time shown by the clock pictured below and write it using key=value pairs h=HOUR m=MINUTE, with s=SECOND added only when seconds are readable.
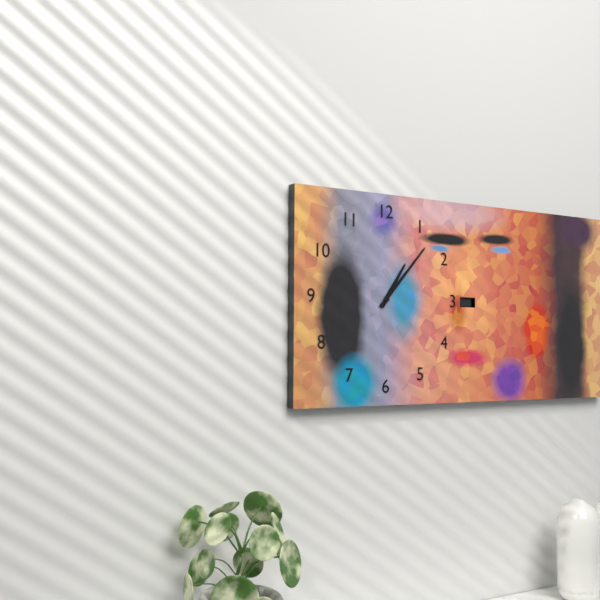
h=1 m=7
